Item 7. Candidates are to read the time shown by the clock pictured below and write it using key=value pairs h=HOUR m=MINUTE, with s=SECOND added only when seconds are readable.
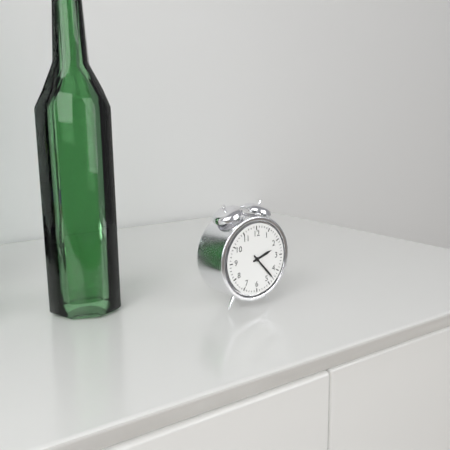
h=2 m=23
